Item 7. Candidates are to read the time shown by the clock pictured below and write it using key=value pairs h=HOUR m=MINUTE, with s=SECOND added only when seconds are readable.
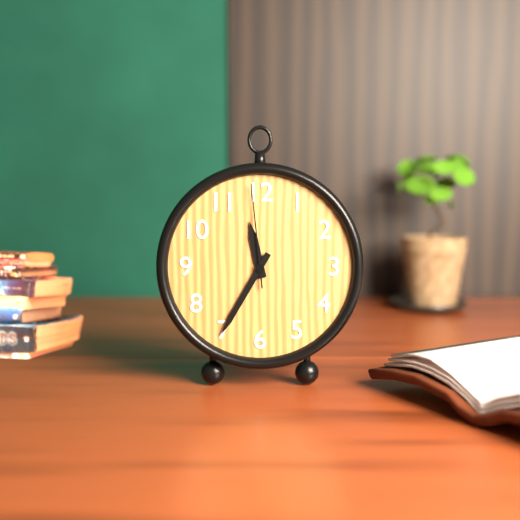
h=11 m=35 s=59
